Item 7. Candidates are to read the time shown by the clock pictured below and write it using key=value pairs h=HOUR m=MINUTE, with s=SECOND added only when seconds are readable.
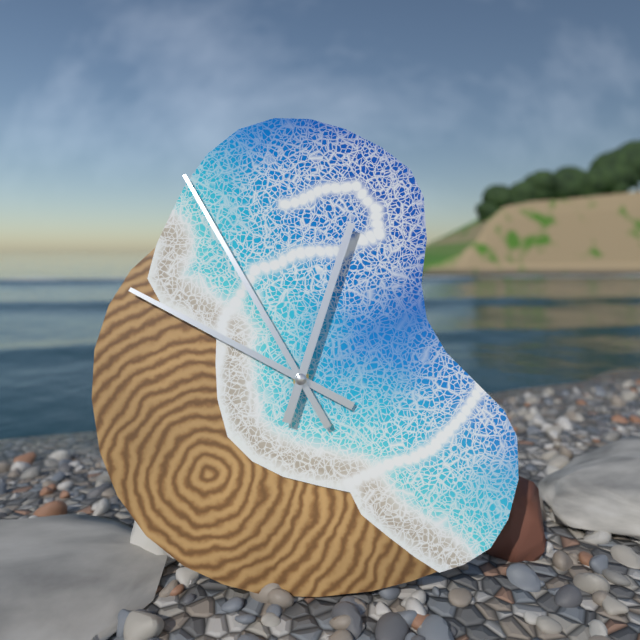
h=9 m=55 s=3
